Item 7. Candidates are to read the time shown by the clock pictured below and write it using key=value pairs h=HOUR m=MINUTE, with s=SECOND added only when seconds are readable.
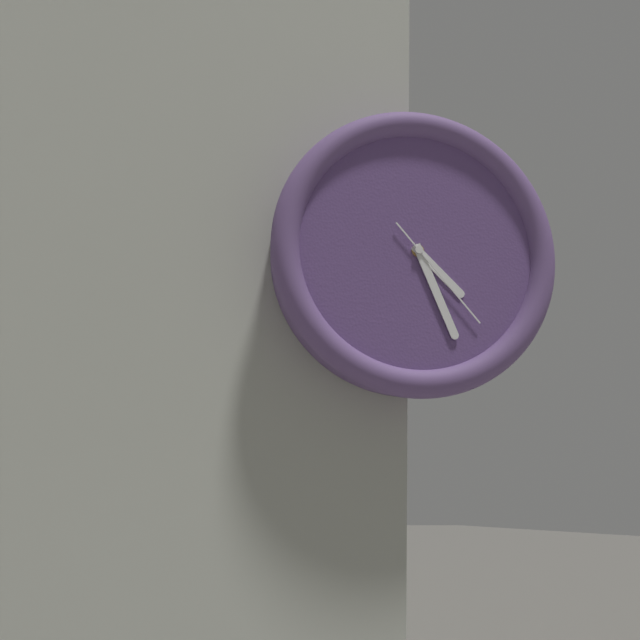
h=4 m=26 s=23
